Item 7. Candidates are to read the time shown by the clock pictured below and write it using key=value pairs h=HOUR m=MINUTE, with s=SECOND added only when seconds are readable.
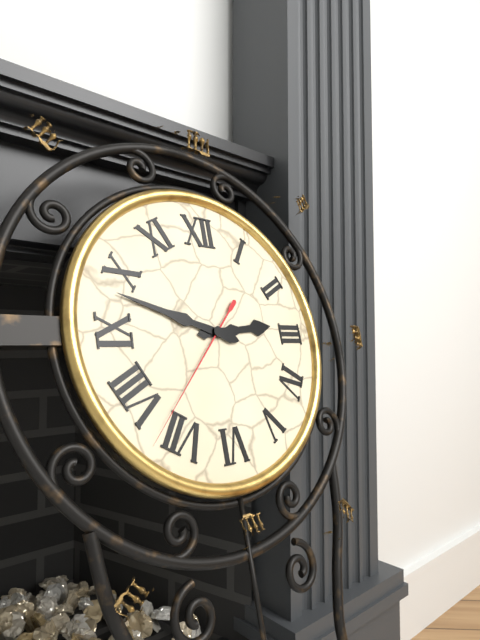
h=2 m=48 s=37
